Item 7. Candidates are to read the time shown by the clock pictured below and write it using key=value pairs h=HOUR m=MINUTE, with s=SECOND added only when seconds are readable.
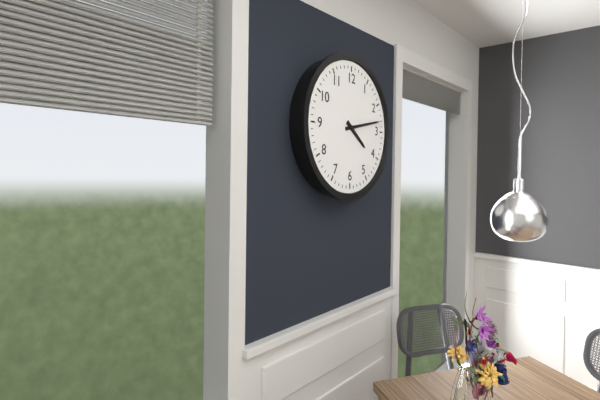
h=4 m=13
